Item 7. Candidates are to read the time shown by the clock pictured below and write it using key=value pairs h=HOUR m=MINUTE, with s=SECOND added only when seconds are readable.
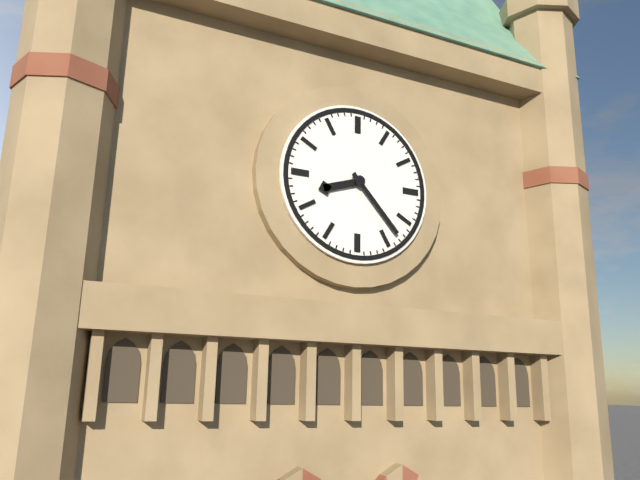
h=8 m=23
